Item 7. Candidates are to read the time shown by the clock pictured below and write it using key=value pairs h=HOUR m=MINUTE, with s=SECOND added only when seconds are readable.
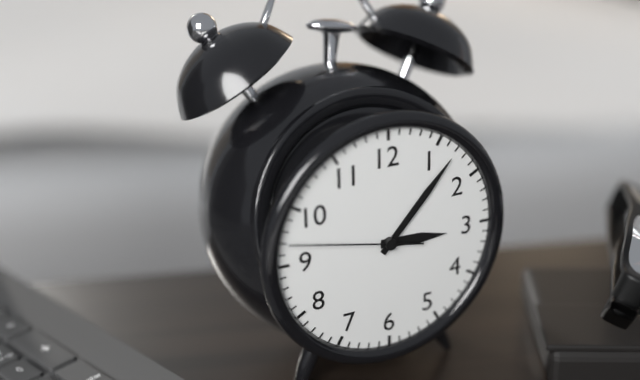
h=3 m=7 s=47
